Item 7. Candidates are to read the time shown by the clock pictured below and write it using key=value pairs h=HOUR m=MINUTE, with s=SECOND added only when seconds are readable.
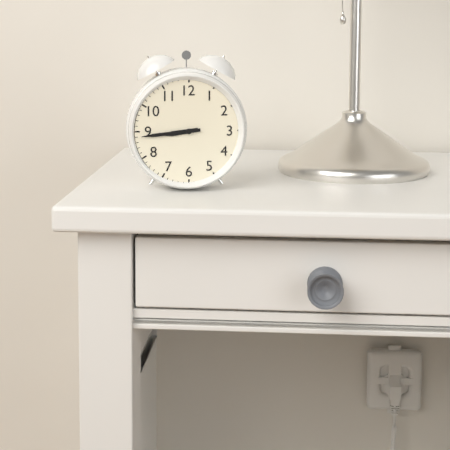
h=8 m=44
